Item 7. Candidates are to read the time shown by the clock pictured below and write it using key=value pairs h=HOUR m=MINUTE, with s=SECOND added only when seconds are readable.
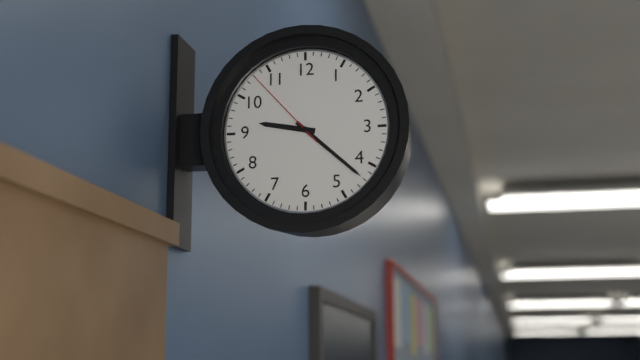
h=9 m=22 s=53
